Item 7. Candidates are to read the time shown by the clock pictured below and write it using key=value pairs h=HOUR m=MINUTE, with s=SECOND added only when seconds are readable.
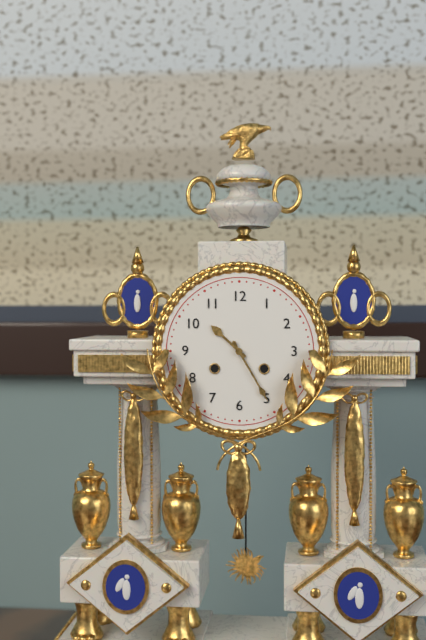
h=10 m=25
